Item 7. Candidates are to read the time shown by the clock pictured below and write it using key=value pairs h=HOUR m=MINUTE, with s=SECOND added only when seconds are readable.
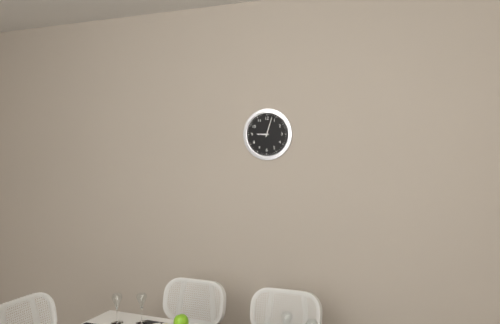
h=9 m=3
